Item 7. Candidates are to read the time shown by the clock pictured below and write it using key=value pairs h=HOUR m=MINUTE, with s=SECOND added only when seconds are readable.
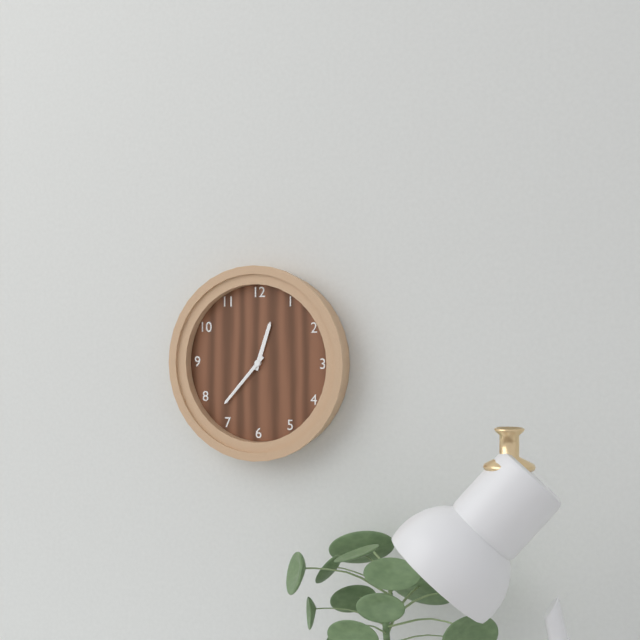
h=12 m=37
